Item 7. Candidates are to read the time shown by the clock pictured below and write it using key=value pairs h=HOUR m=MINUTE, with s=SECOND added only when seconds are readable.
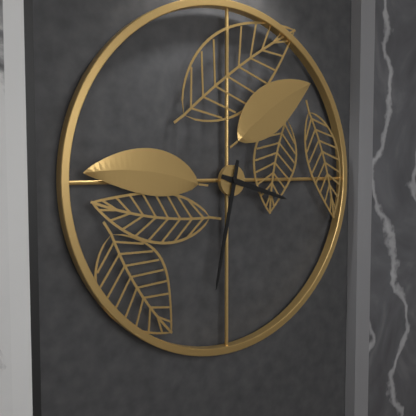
h=3 m=32
